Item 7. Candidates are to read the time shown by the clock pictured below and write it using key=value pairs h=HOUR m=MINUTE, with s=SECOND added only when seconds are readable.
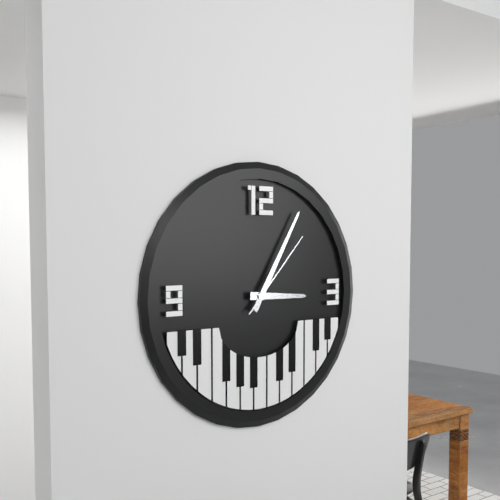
h=3 m=5 s=7
